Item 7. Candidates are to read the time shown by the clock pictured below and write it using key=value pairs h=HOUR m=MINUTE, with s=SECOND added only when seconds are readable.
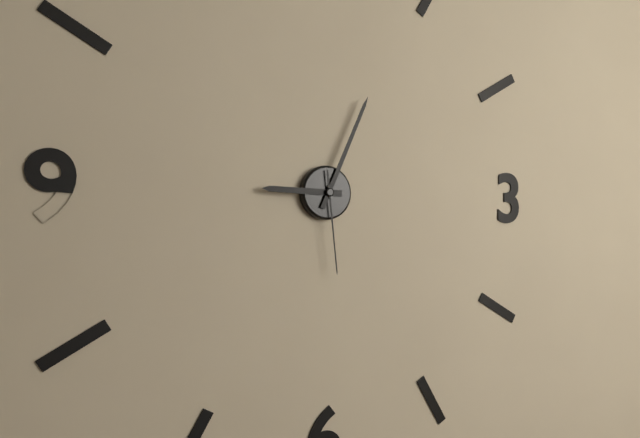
h=9 m=4 s=29
